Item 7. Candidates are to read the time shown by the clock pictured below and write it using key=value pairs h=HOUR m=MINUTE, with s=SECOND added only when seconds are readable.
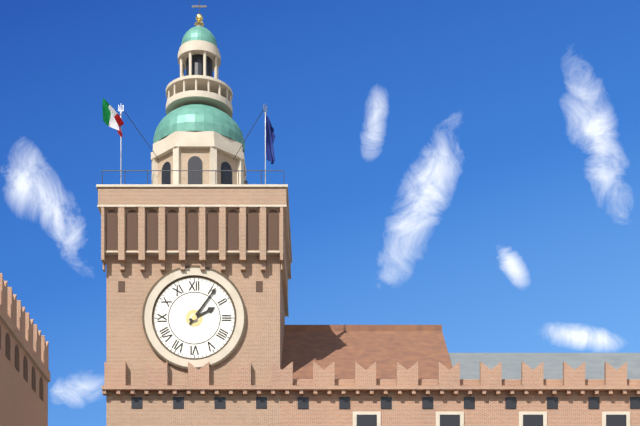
h=2 m=6
